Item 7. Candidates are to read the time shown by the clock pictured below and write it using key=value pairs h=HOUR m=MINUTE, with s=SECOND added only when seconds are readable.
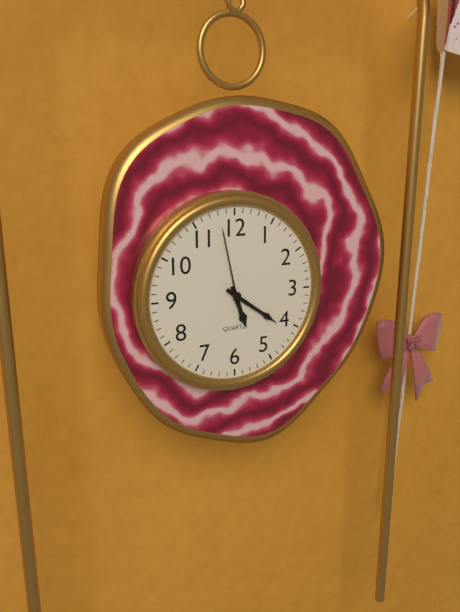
h=5 m=21 s=58
